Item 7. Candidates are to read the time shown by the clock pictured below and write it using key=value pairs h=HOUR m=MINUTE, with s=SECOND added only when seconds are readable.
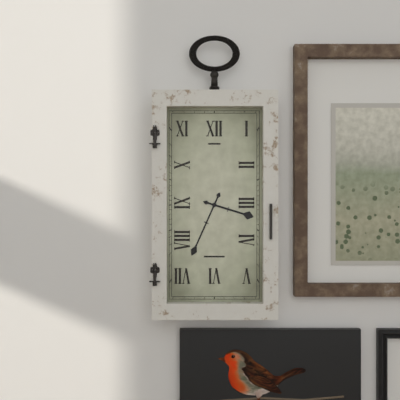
h=3 m=34
